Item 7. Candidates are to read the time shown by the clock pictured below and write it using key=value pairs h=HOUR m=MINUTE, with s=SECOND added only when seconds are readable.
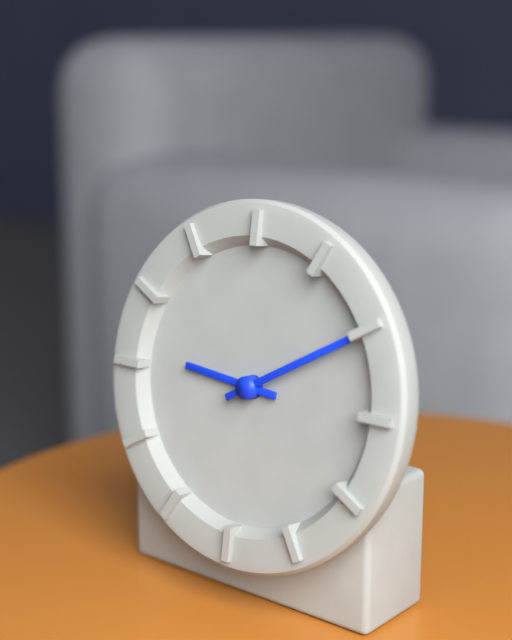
h=9 m=10
